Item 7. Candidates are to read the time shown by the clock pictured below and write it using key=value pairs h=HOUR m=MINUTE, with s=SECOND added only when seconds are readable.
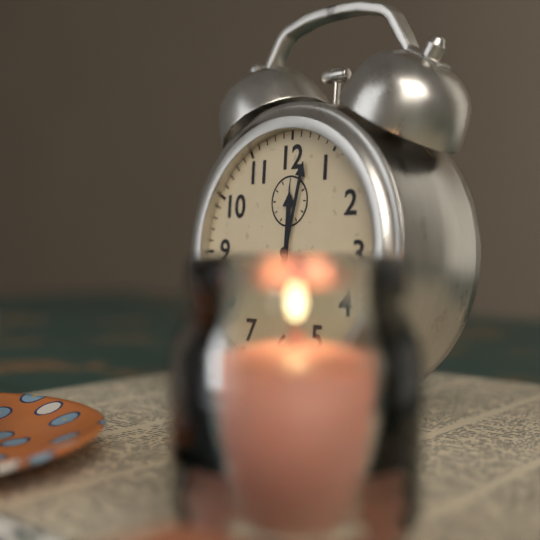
h=12 m=2
